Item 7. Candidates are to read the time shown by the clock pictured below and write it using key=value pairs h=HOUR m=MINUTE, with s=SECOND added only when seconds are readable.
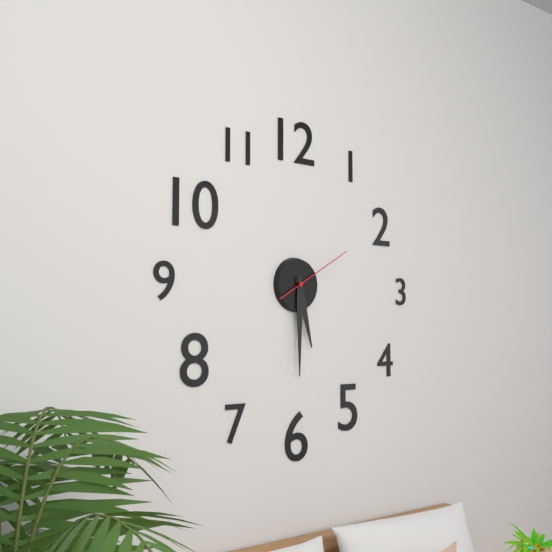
h=5 m=30 s=10
